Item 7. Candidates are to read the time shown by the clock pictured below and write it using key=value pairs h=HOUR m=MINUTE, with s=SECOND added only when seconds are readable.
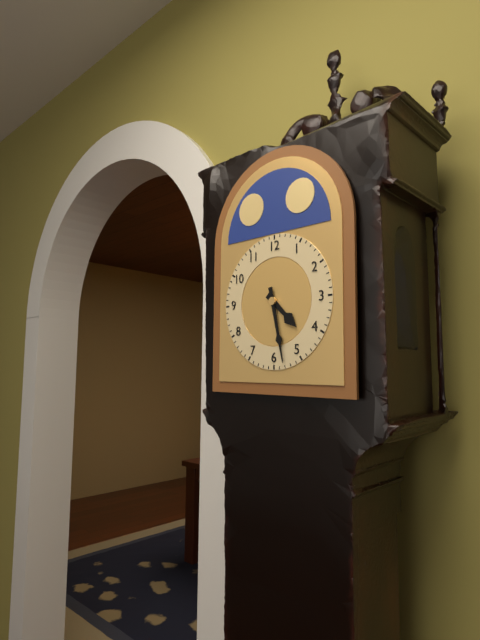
h=4 m=28
